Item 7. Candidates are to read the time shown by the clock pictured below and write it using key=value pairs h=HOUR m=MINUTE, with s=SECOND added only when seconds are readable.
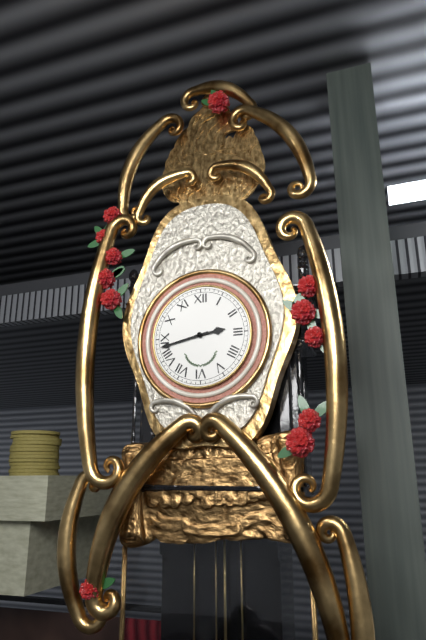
h=2 m=43
